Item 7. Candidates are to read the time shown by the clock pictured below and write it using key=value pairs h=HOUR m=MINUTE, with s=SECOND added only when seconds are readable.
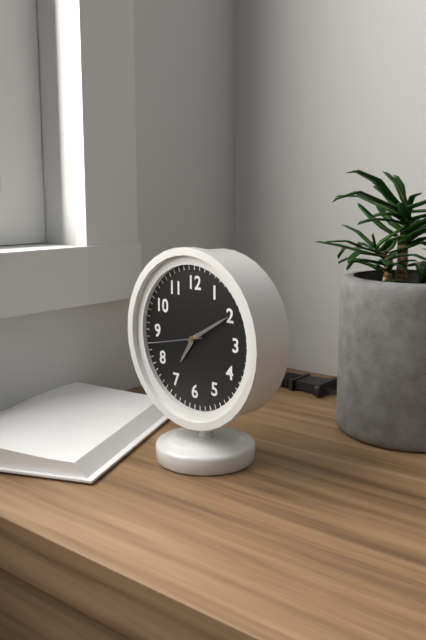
h=7 m=10 s=43
